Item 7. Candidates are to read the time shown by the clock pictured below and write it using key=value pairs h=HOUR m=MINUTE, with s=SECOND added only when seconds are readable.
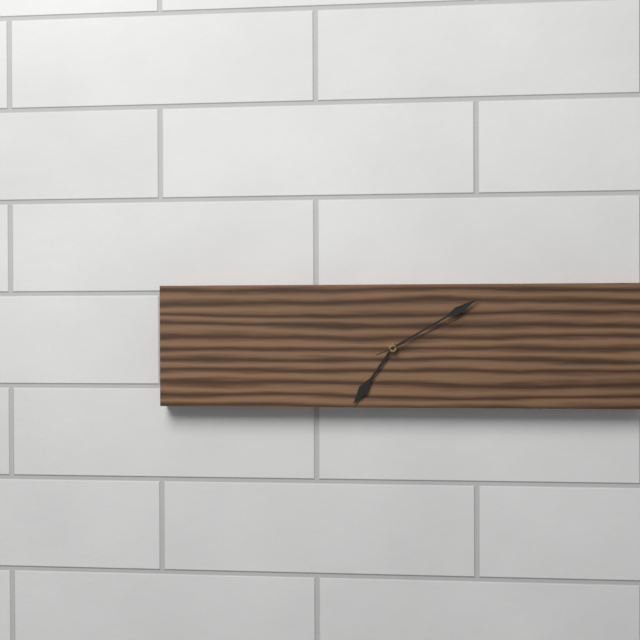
h=7 m=10 s=11
